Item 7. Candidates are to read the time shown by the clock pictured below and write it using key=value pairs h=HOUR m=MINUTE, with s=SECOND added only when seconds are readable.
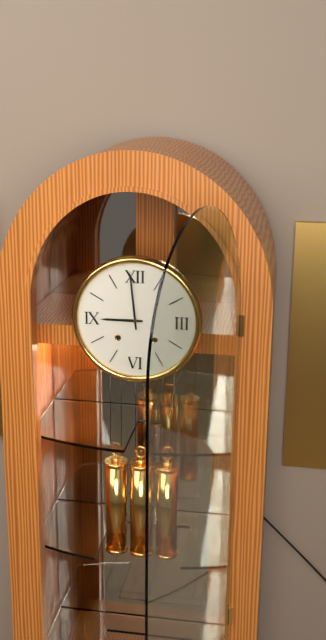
h=8 m=59
